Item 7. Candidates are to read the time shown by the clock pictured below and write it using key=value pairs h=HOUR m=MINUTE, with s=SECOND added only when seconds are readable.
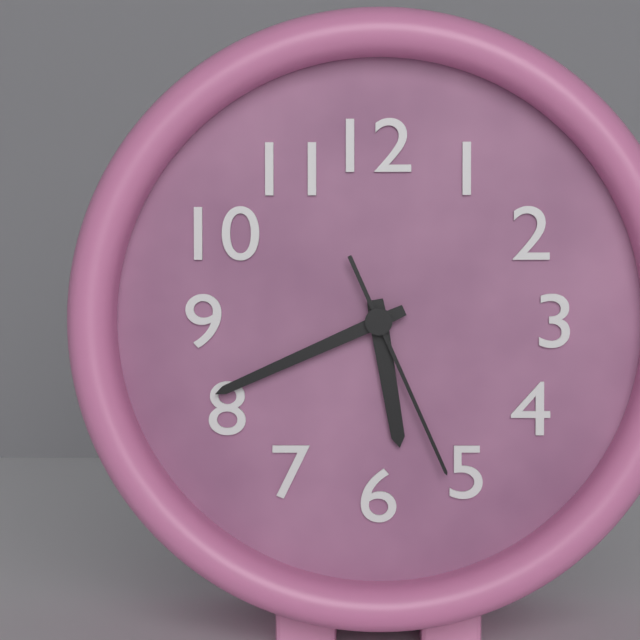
h=5 m=41 s=26
